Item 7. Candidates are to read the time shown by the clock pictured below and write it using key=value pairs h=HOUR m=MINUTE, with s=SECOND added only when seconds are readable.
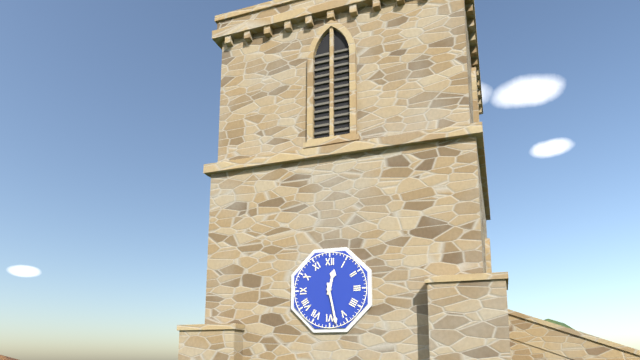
h=12 m=28
